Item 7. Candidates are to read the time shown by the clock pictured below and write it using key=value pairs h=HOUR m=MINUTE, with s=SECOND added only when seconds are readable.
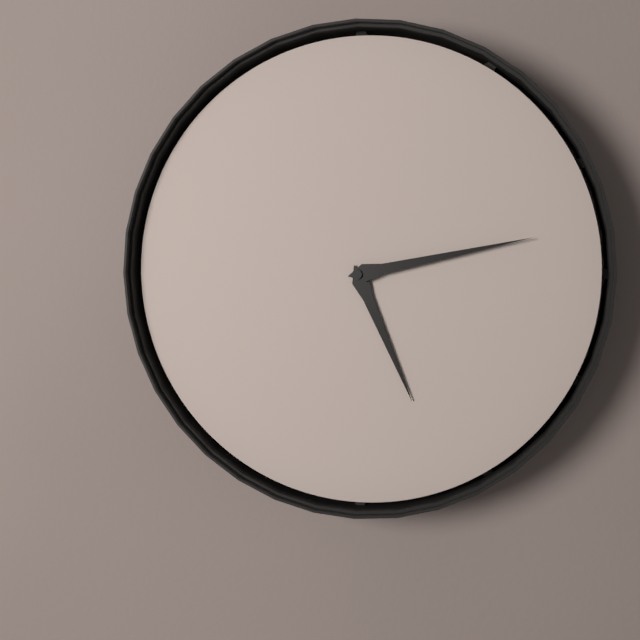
h=5 m=13
